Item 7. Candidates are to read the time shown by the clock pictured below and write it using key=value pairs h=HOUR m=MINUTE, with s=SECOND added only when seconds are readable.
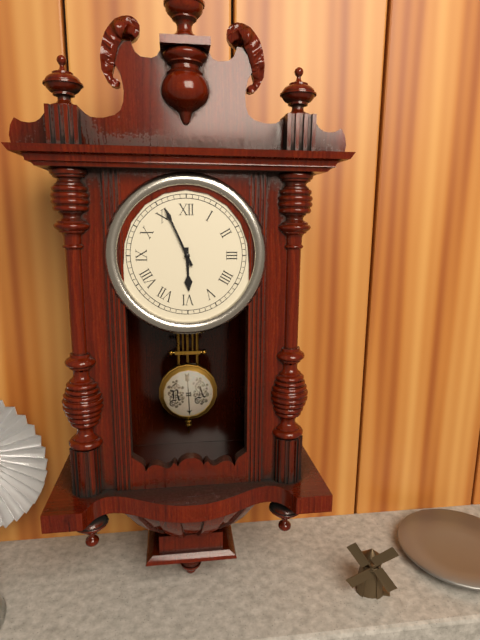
h=5 m=56
